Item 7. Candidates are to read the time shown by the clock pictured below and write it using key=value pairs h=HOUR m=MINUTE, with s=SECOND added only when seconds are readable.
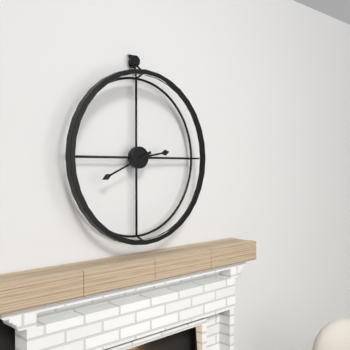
h=2 m=41
